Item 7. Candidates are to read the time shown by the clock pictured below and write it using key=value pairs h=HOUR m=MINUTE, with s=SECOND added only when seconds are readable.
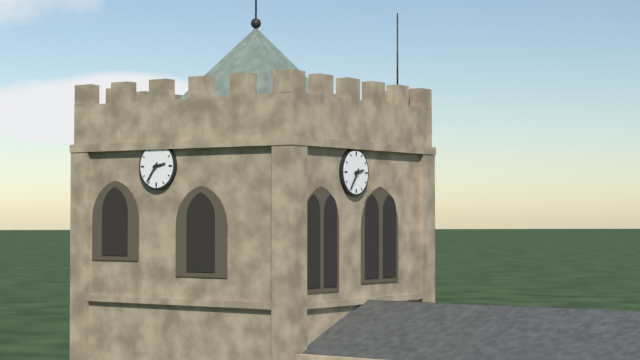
h=2 m=36
